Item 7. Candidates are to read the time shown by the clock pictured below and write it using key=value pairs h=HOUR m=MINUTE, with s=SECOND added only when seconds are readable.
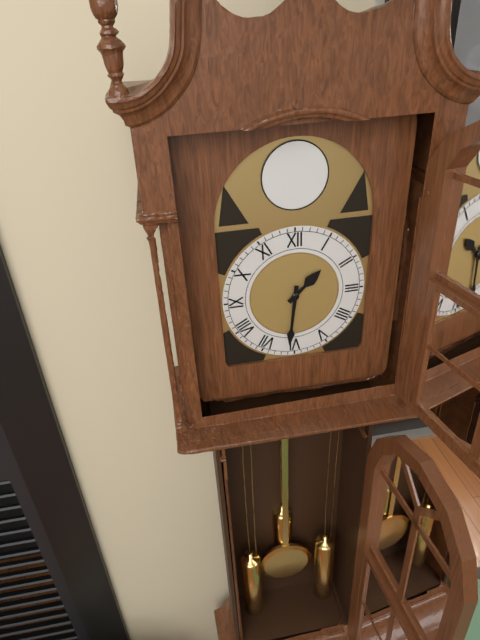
h=1 m=31
